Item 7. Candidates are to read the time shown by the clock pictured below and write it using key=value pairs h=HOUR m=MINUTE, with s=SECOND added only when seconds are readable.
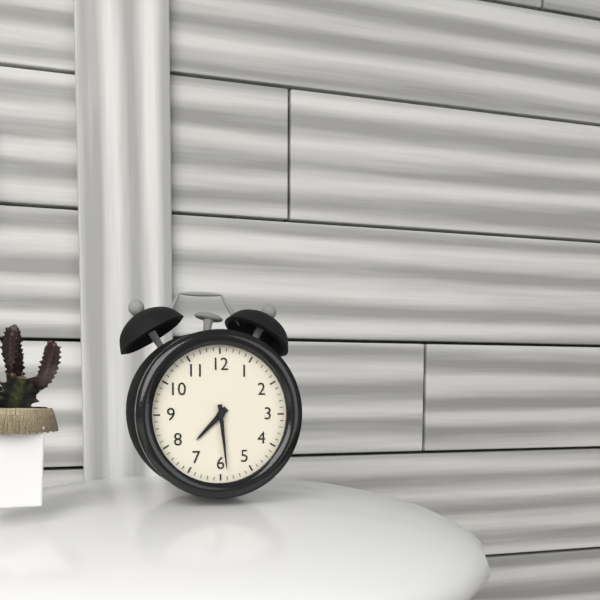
h=7 m=29
